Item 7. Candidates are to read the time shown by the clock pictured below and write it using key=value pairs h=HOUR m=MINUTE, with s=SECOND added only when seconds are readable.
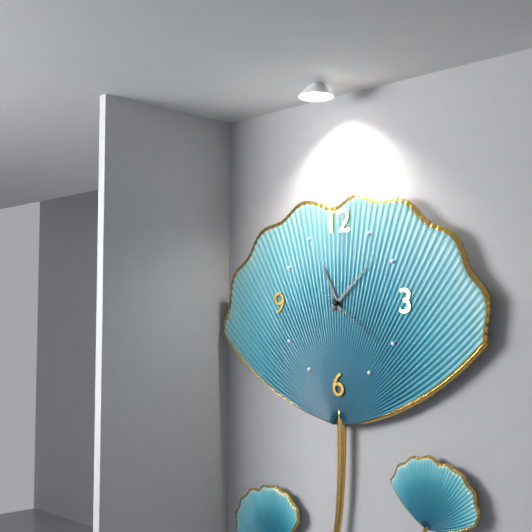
h=11 m=8 s=21
